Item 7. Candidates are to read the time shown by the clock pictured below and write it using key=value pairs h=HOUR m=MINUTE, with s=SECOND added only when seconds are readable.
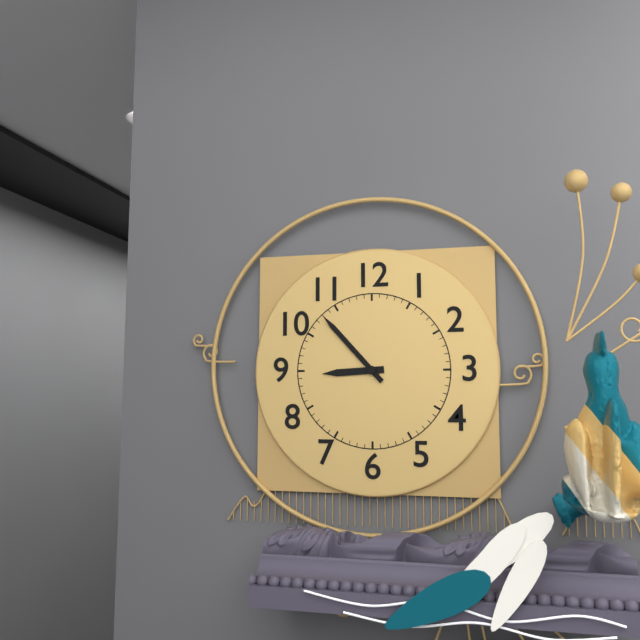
h=8 m=53
